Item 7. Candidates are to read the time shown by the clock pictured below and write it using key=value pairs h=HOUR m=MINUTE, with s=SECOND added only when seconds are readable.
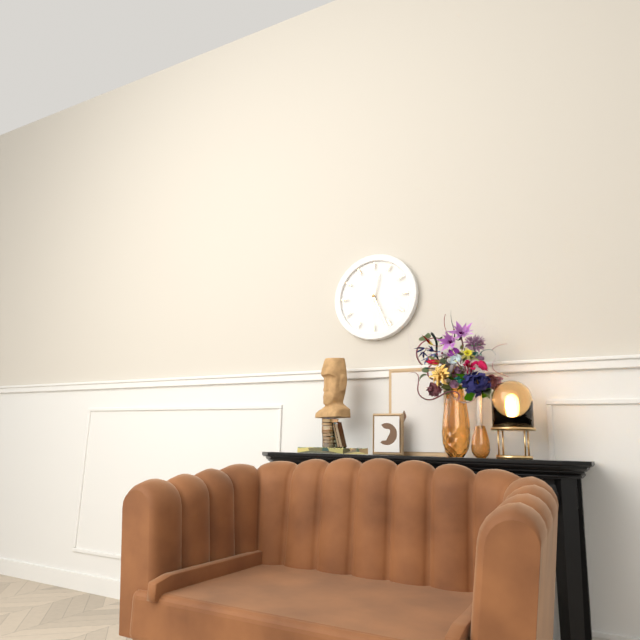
h=12 m=26
